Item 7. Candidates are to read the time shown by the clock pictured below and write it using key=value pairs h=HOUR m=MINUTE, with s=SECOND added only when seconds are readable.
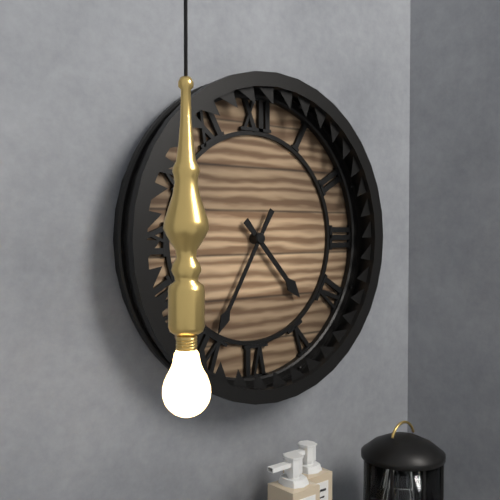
h=4 m=35
